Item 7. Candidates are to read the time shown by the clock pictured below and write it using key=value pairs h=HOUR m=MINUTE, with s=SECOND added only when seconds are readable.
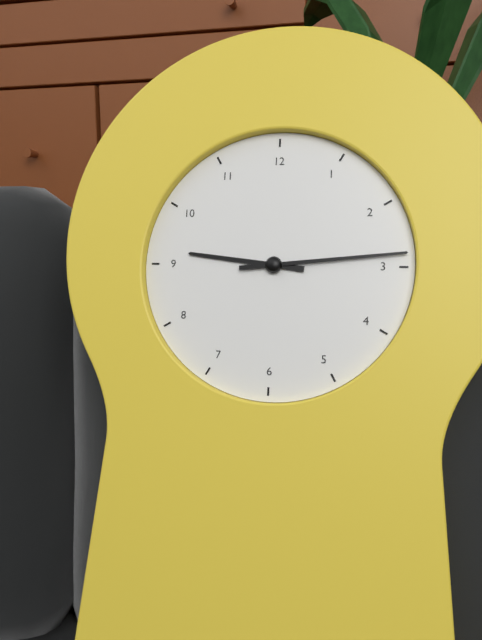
h=9 m=14
